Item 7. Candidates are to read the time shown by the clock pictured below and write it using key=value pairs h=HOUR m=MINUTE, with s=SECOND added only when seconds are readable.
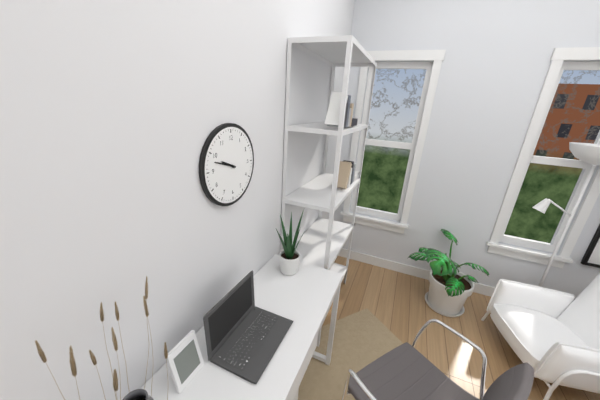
h=9 m=48
